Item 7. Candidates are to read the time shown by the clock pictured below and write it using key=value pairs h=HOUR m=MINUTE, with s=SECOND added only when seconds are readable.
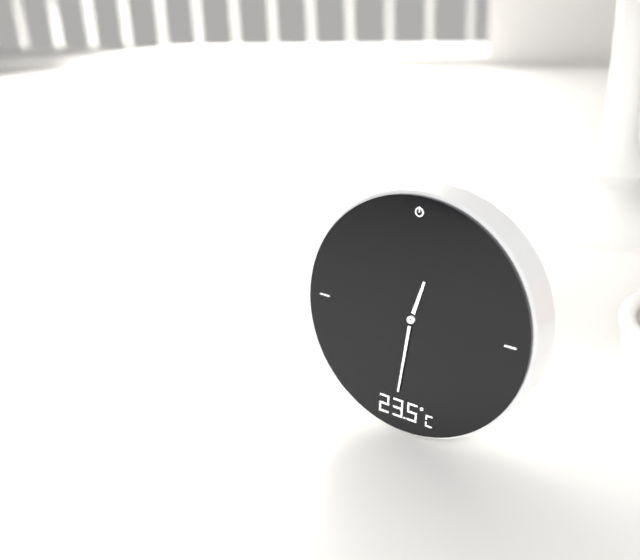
h=12 m=31
